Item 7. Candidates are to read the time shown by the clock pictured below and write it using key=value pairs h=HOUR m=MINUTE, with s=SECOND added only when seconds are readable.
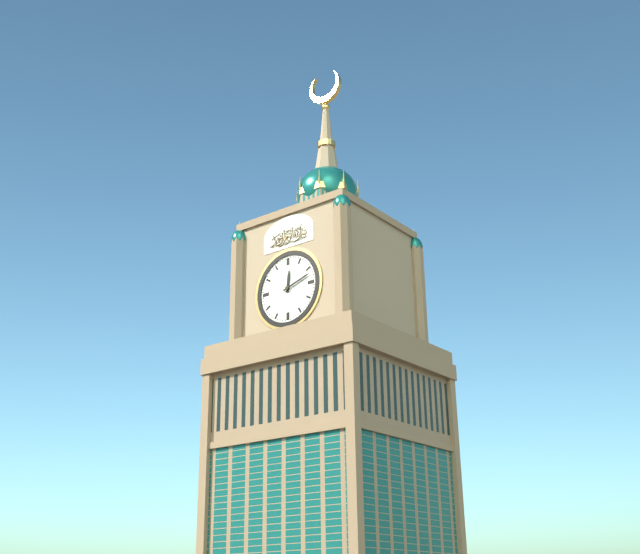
h=12 m=12
